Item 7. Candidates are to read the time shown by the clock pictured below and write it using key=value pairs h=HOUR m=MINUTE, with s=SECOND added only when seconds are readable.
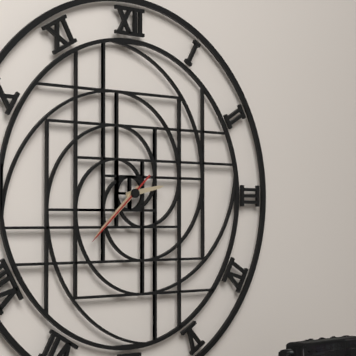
h=2 m=38 s=38
